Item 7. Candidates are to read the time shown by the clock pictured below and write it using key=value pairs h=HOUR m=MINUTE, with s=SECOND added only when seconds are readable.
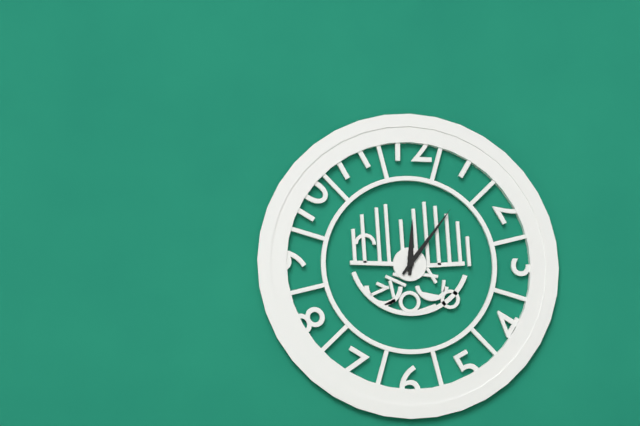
h=12 m=6
